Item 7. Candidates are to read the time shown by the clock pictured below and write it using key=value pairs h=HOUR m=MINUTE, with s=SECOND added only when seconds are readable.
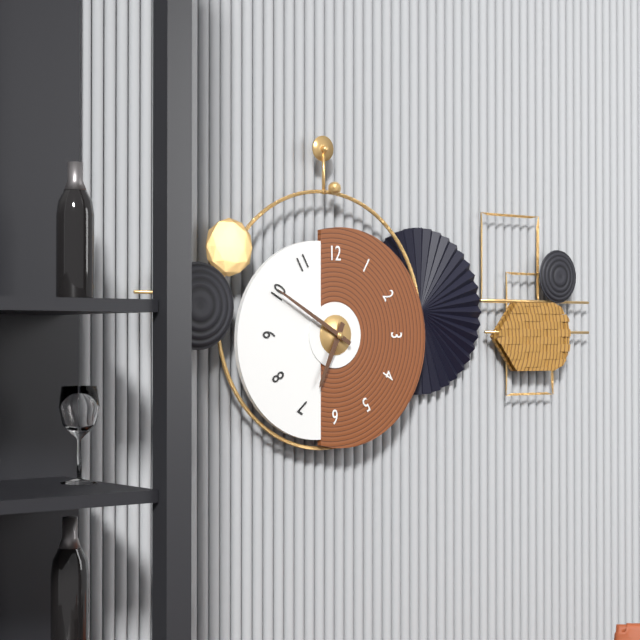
h=6 m=50
